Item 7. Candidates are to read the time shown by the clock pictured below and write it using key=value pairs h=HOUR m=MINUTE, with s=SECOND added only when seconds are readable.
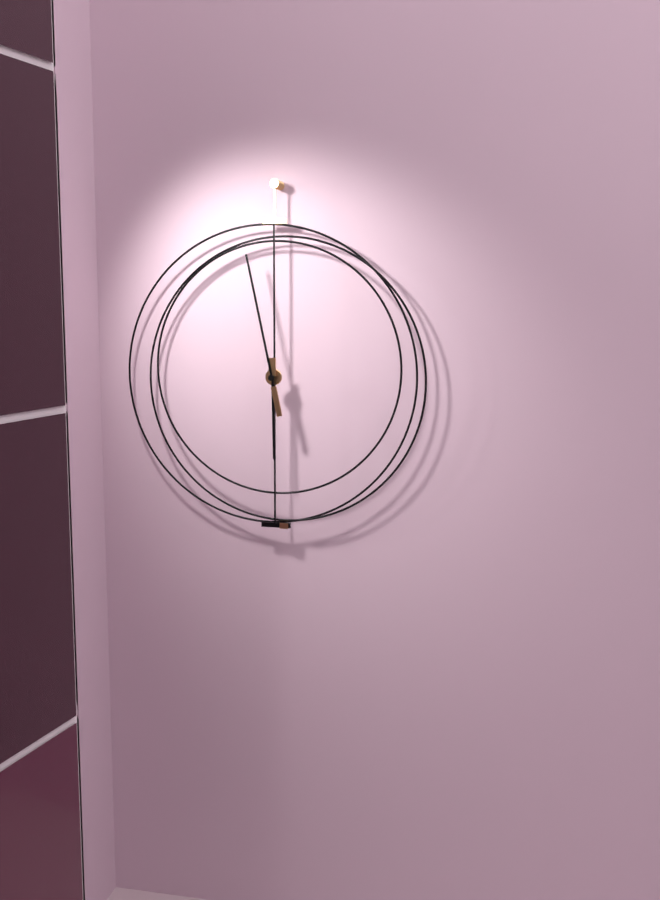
h=5 m=58
